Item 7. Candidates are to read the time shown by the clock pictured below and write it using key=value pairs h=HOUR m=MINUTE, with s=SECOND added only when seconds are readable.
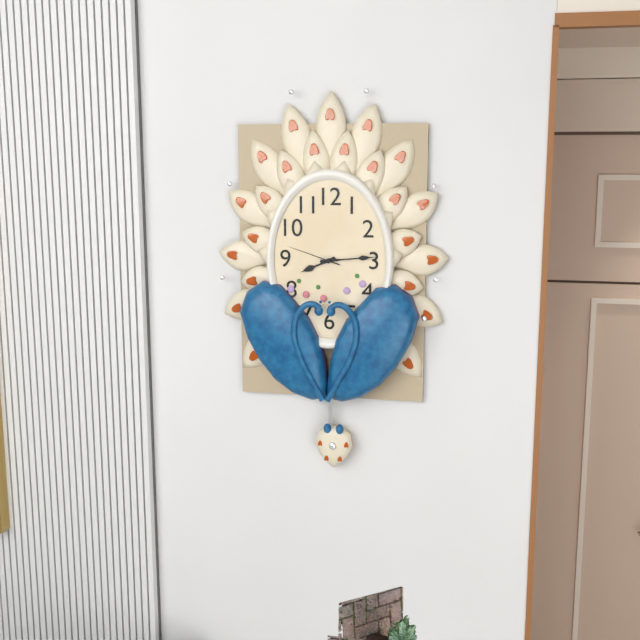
h=8 m=14 s=48
